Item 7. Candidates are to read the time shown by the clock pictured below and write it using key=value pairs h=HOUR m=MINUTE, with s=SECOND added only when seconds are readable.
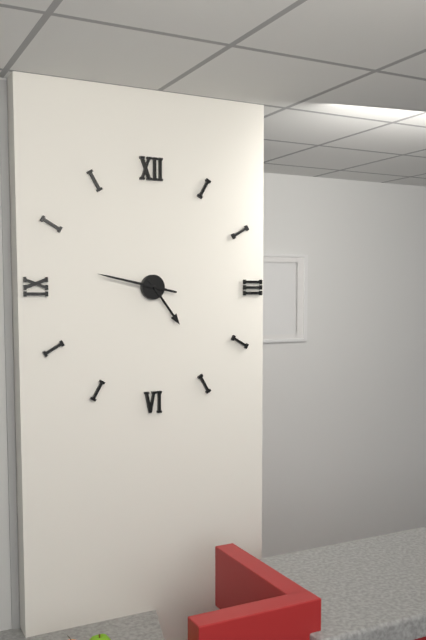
h=4 m=47
